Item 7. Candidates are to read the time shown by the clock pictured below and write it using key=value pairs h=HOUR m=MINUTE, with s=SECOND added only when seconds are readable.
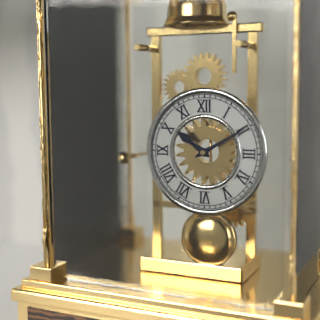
h=10 m=10
